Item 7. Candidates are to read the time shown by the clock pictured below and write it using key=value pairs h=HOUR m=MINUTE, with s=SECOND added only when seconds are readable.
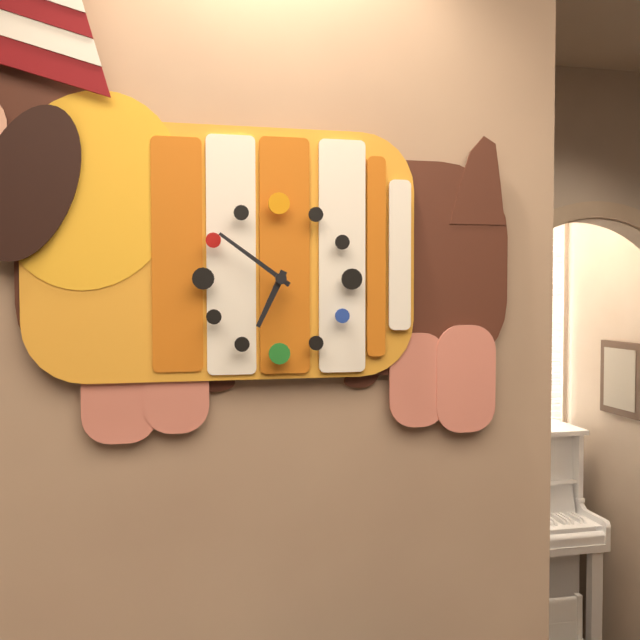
h=6 m=51
